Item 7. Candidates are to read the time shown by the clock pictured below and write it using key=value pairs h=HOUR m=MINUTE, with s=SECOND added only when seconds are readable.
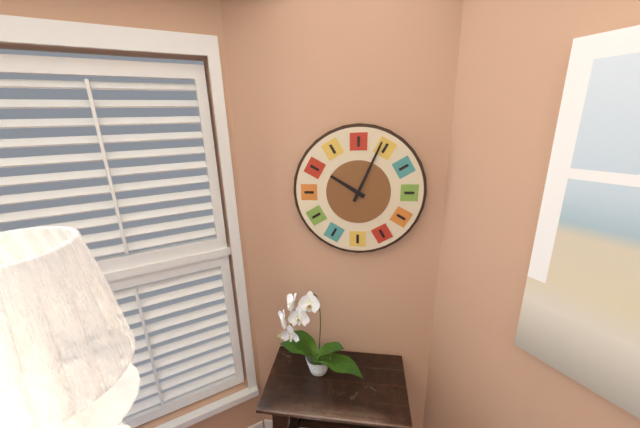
h=10 m=4
